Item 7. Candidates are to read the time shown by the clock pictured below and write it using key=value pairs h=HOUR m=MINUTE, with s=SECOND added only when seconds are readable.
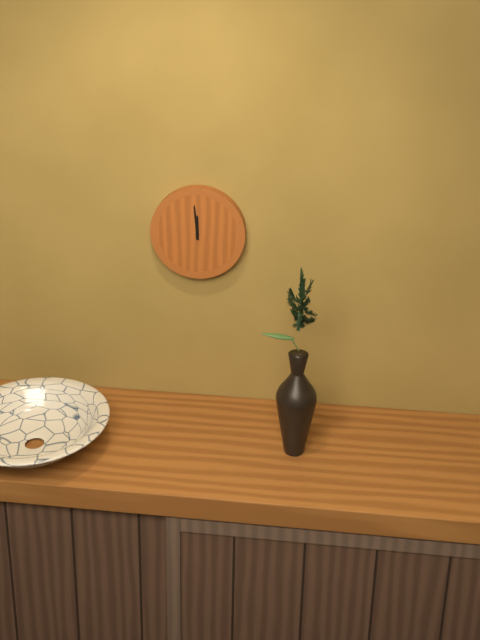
h=11 m=59
